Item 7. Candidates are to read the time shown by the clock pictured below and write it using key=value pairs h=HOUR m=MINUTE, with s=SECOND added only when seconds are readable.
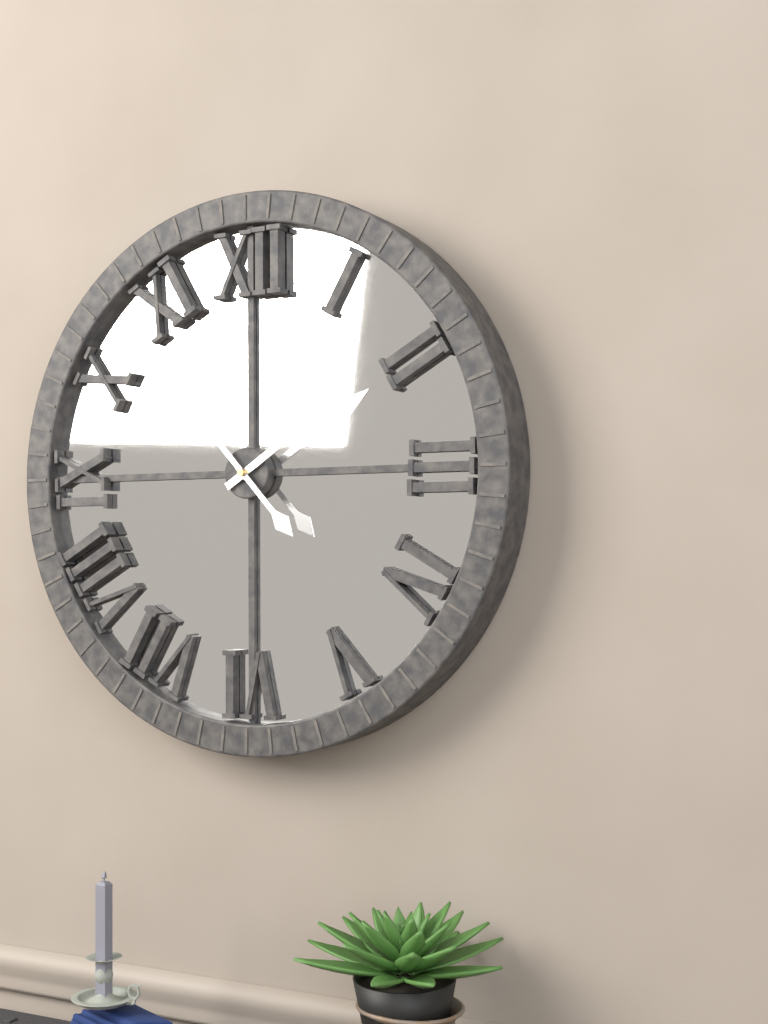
h=1 m=53
